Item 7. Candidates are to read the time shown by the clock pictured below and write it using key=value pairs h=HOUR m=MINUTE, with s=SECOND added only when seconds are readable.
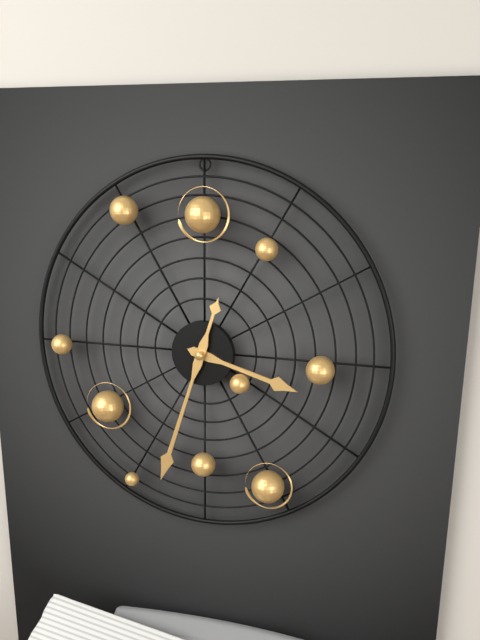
h=3 m=33
